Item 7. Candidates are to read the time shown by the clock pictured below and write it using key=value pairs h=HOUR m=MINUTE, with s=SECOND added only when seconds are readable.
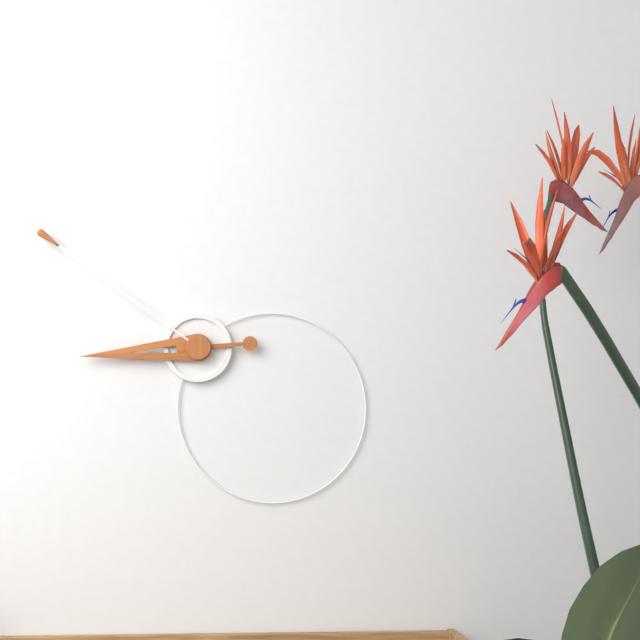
h=8 m=51
